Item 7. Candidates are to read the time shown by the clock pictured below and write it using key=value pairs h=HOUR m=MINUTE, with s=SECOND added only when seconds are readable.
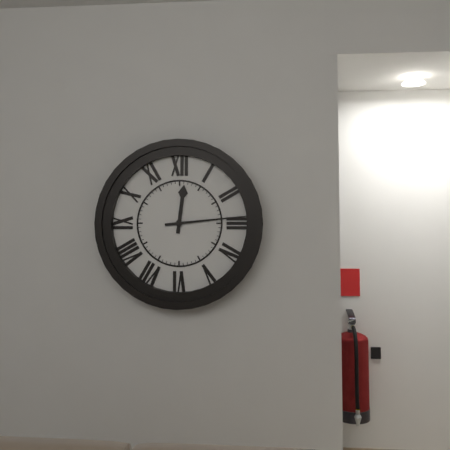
h=12 m=14
